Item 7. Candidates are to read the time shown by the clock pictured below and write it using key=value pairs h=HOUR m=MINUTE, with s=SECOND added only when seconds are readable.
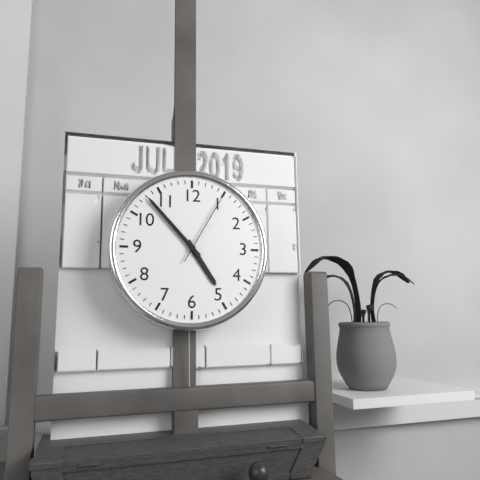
h=4 m=53 s=5
